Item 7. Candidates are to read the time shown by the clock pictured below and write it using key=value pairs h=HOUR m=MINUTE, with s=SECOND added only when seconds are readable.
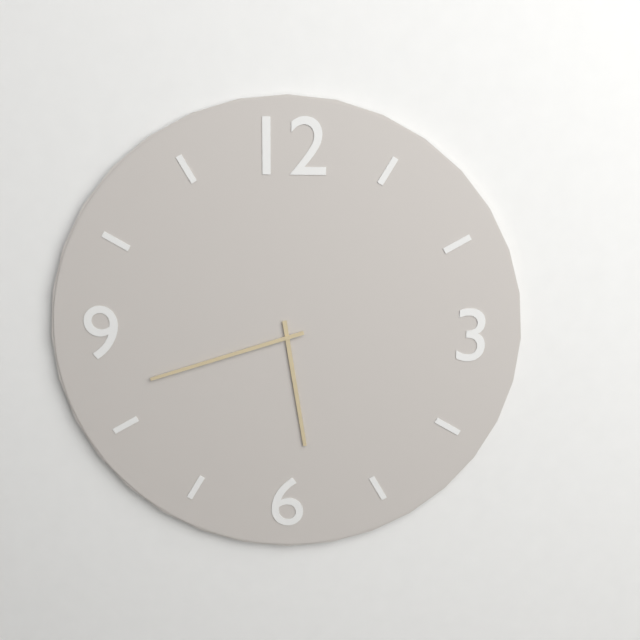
h=5 m=42
